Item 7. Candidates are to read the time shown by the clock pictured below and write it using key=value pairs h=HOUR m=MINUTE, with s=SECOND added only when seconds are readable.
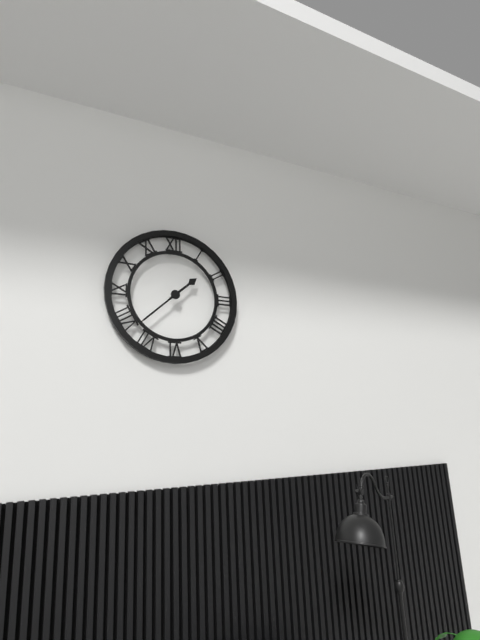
h=1 m=38
